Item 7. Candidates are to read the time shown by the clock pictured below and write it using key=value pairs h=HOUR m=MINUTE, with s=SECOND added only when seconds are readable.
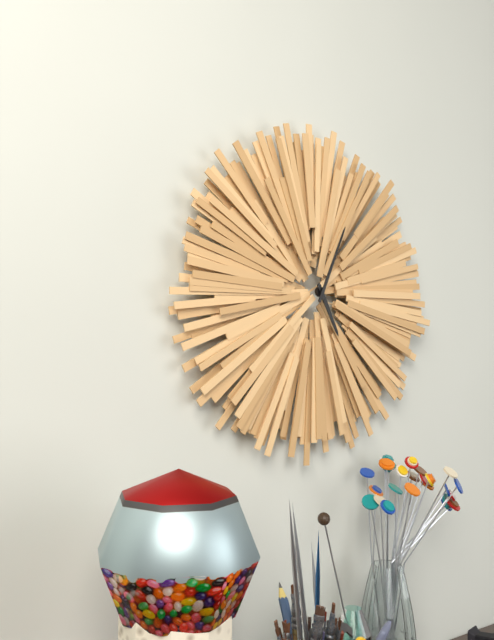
h=5 m=4
